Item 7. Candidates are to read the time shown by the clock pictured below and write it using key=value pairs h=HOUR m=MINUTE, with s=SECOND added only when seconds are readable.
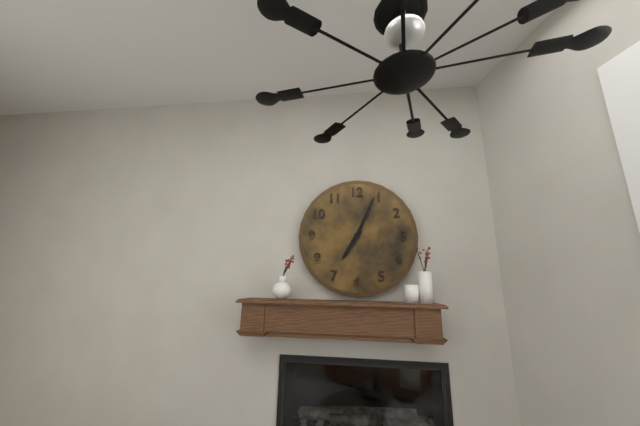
h=7 m=4
